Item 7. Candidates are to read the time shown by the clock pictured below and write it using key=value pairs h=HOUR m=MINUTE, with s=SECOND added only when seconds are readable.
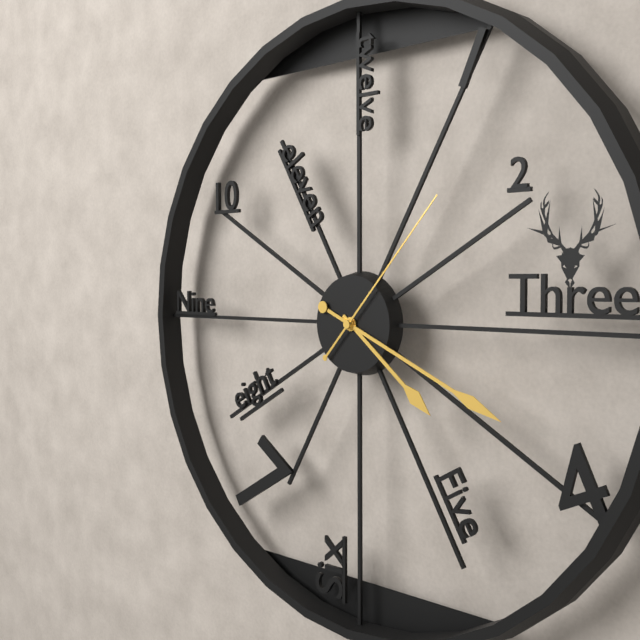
h=4 m=19 s=7
